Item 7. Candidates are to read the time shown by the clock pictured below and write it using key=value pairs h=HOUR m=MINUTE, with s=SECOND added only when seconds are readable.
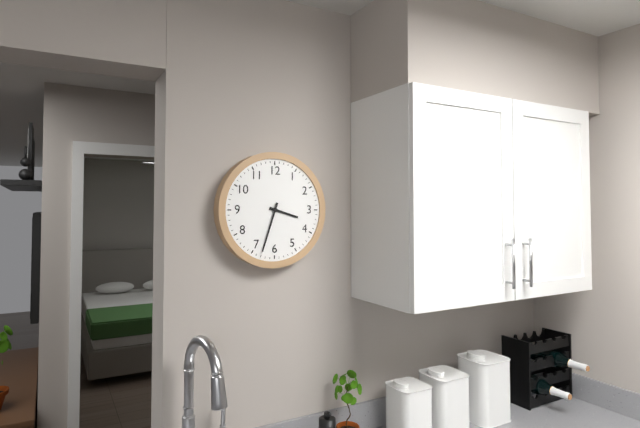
h=3 m=33
